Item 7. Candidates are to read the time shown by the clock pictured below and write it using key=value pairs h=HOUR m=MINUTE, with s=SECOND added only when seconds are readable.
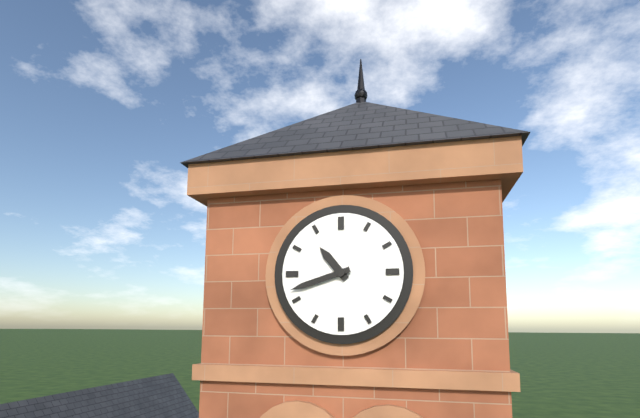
h=10 m=42
